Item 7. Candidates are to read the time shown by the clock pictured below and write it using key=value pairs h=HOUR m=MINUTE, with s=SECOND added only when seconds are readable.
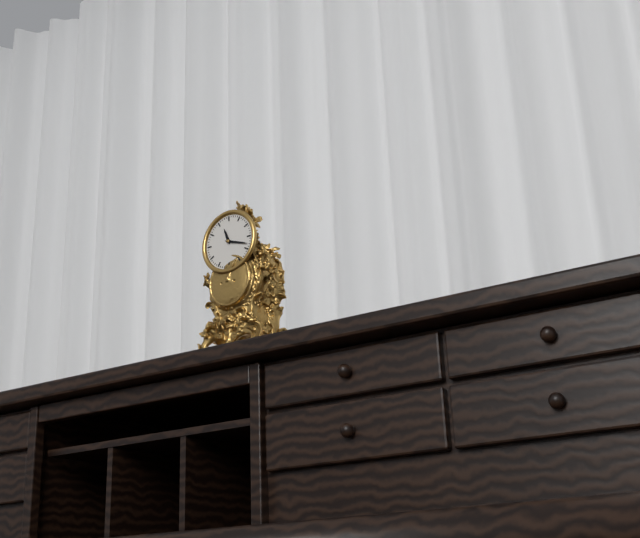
h=11 m=18
